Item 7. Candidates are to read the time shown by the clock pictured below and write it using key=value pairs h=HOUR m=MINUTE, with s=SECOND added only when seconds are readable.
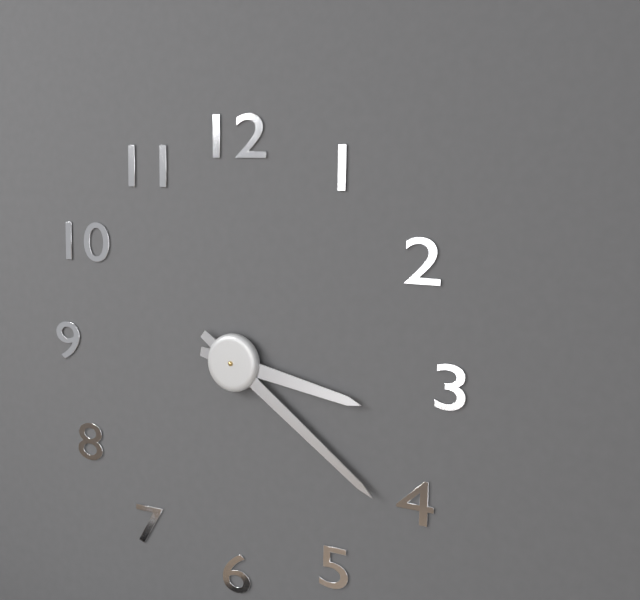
h=3 m=21
